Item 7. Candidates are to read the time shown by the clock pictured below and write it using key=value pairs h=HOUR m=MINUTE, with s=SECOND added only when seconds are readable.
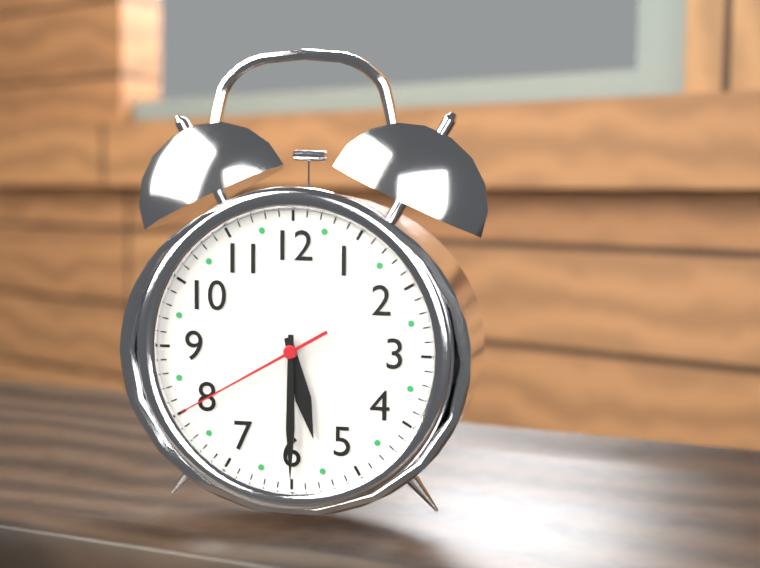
h=5 m=30 s=40
